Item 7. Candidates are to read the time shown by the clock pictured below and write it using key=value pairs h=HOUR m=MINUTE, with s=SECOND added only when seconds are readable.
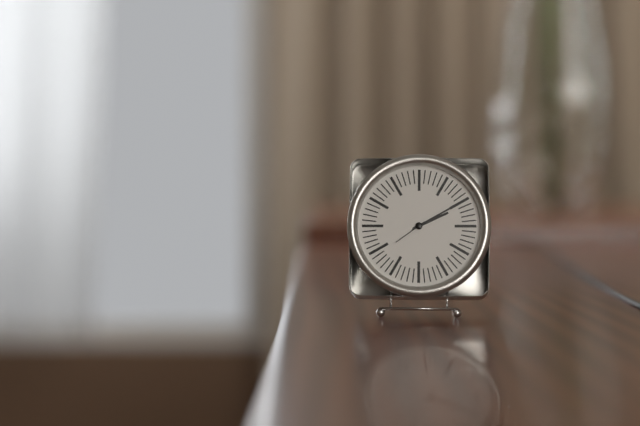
h=2 m=10
